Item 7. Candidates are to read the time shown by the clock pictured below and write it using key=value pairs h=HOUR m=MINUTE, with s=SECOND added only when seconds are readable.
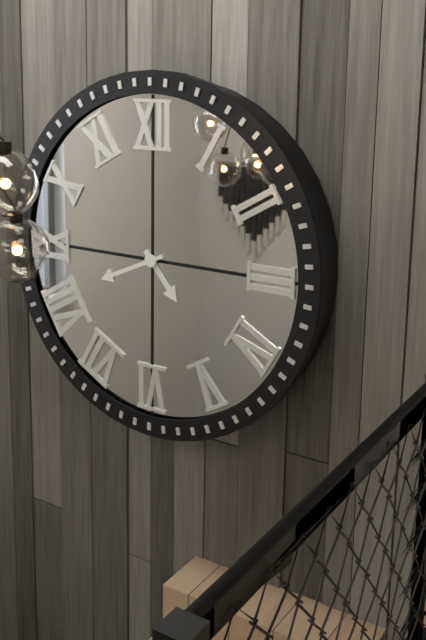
h=4 m=41
